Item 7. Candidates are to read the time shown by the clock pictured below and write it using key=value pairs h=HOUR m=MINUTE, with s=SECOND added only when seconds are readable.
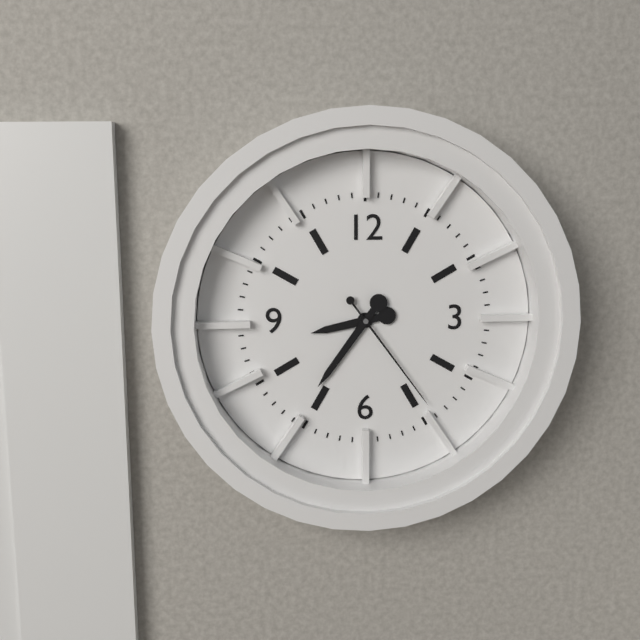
h=8 m=36 s=24
